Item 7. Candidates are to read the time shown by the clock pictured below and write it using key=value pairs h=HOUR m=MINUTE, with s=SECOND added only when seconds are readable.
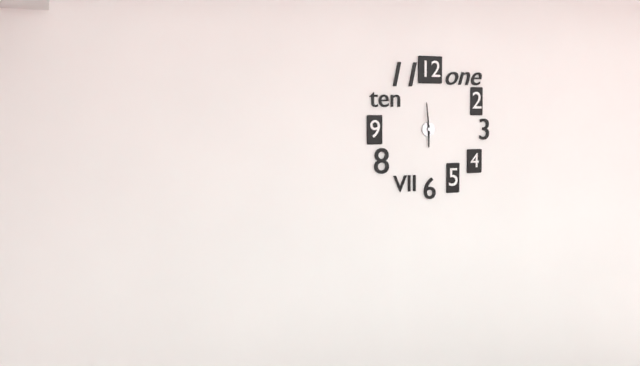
h=5 m=59
